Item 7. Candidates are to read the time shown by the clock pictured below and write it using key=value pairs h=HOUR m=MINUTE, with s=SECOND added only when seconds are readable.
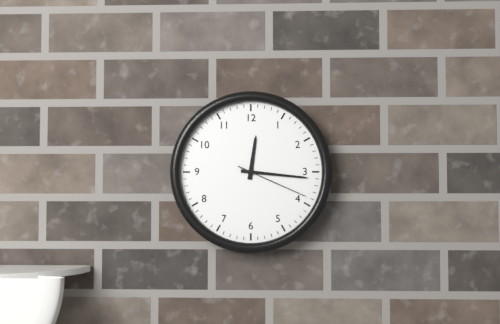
h=12 m=16 s=19
